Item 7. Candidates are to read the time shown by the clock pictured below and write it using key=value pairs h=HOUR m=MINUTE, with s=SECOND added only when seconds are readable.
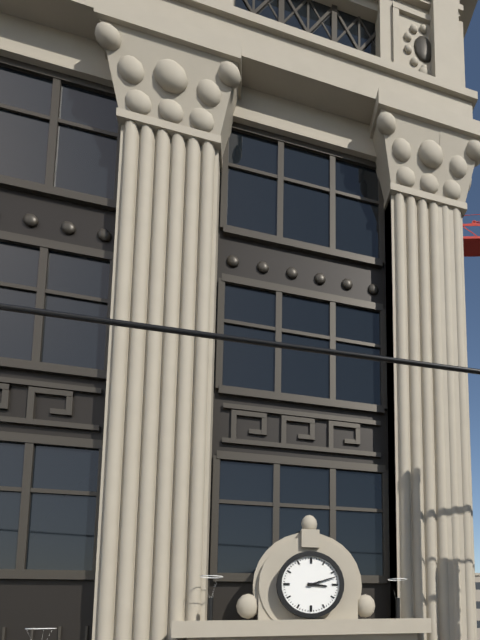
h=3 m=12
